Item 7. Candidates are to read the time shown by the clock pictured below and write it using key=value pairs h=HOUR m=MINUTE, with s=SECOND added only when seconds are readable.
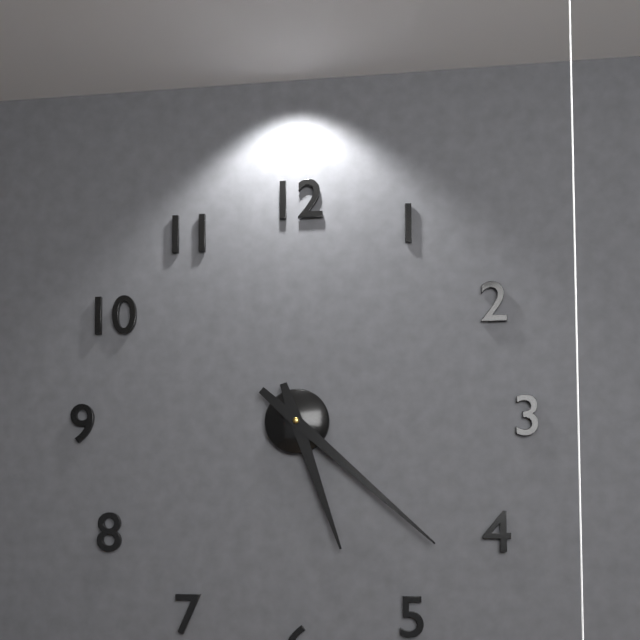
h=5 m=22
